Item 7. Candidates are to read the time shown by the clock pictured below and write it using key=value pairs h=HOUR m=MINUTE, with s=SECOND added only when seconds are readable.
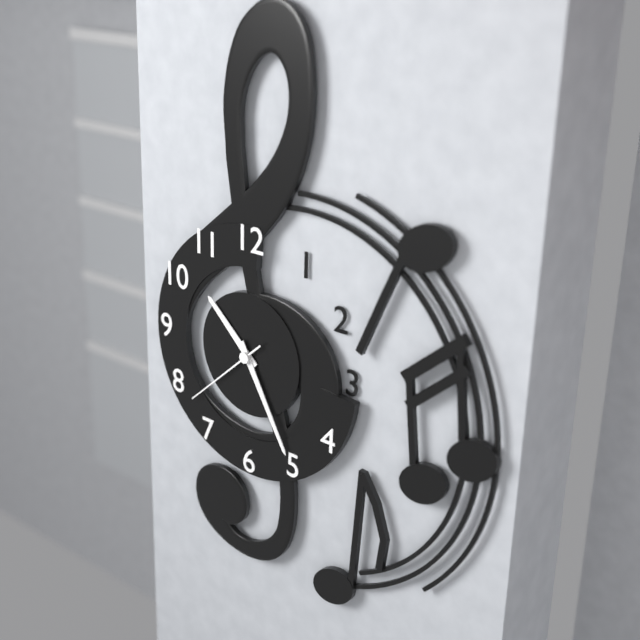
h=10 m=25 s=38
